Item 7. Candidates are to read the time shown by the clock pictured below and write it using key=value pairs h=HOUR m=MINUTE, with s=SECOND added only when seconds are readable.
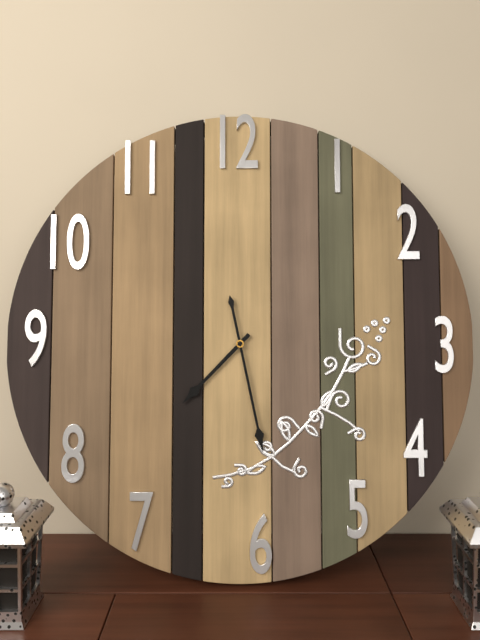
h=7 m=28
